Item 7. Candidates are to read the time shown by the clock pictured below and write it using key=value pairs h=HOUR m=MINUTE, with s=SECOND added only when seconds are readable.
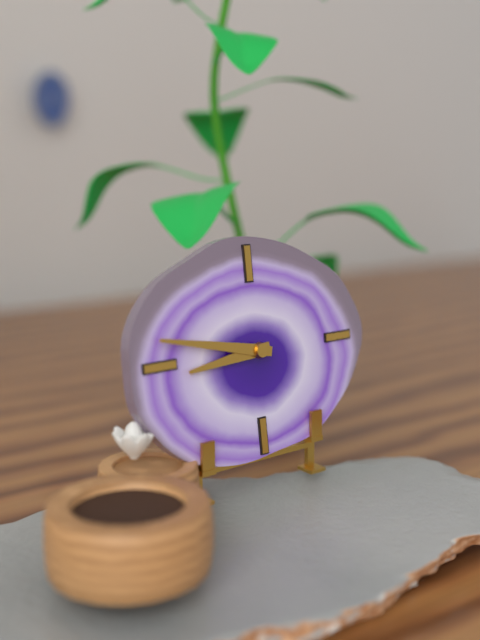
h=8 m=47
